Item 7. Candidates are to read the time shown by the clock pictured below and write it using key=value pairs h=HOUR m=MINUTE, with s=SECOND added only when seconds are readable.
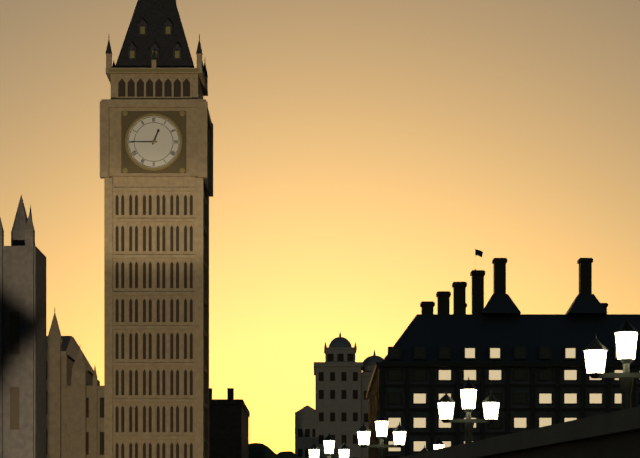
h=12 m=45
